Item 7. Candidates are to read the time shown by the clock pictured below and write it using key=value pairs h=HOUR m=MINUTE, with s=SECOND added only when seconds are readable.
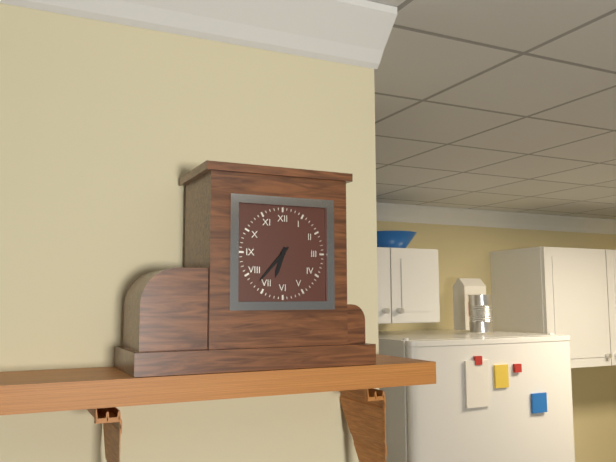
h=6 m=37
